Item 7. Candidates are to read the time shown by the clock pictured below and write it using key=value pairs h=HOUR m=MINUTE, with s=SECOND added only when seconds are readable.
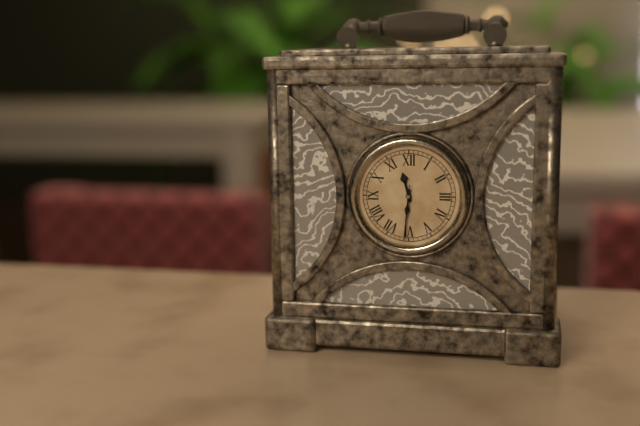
h=11 m=31 s=31
